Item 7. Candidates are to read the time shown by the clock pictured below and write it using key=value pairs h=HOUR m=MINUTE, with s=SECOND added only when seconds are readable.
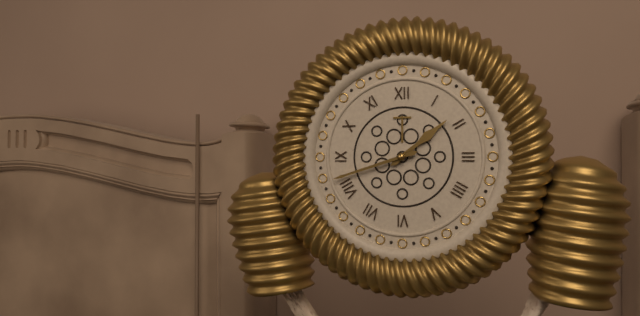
h=1 m=42
